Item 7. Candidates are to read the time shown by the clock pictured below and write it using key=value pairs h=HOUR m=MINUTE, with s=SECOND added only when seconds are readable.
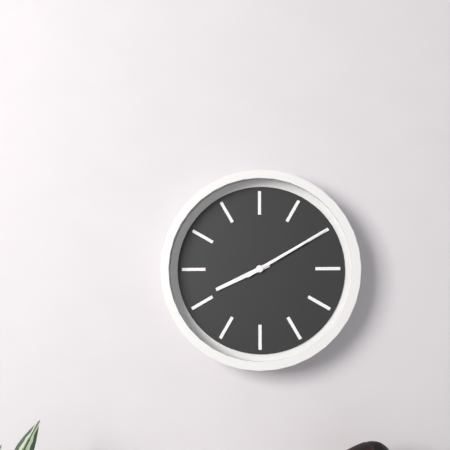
h=8 m=10
